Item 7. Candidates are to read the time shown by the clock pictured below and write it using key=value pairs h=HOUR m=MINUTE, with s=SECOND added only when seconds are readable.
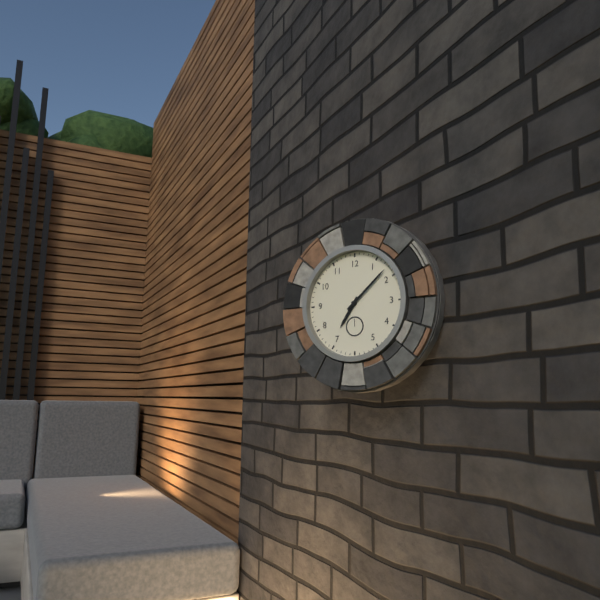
h=7 m=8
